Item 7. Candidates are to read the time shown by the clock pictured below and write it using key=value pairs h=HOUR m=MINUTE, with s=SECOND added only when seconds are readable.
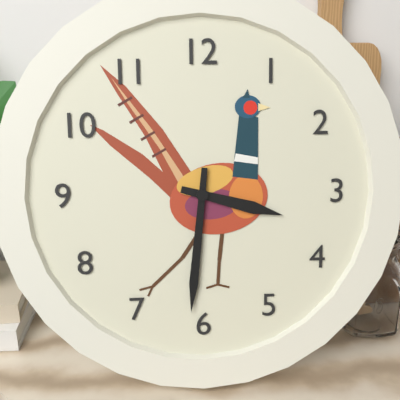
h=3 m=31
